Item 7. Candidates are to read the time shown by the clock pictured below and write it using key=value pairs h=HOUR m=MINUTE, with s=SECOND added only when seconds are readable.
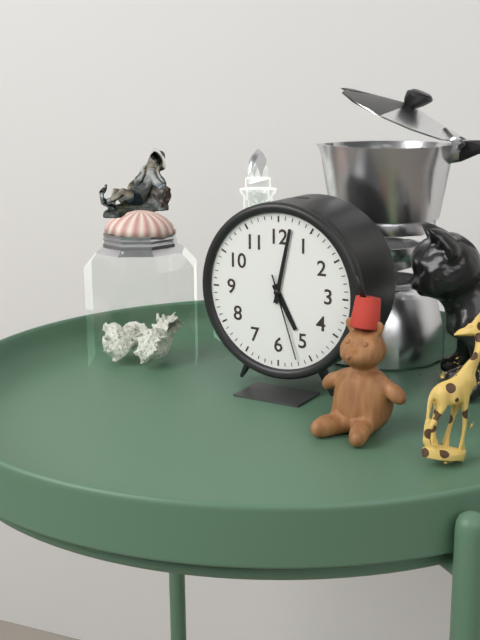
h=5 m=2 s=27
